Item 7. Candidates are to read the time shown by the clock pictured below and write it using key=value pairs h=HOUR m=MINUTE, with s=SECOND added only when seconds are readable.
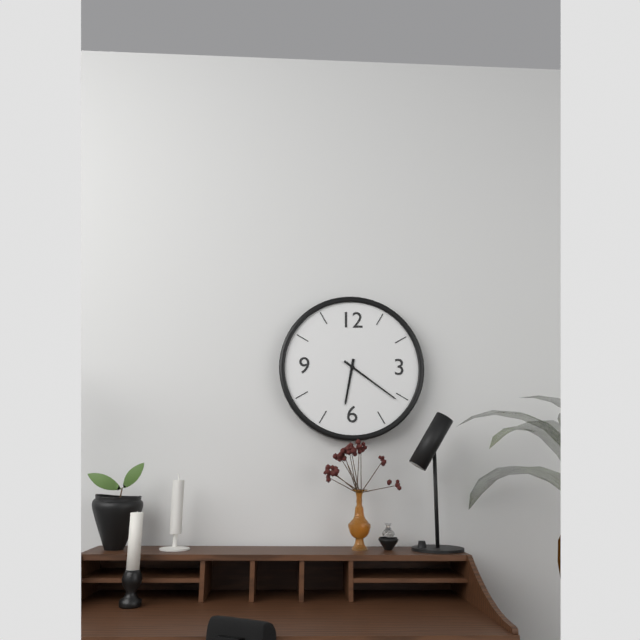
h=6 m=21
